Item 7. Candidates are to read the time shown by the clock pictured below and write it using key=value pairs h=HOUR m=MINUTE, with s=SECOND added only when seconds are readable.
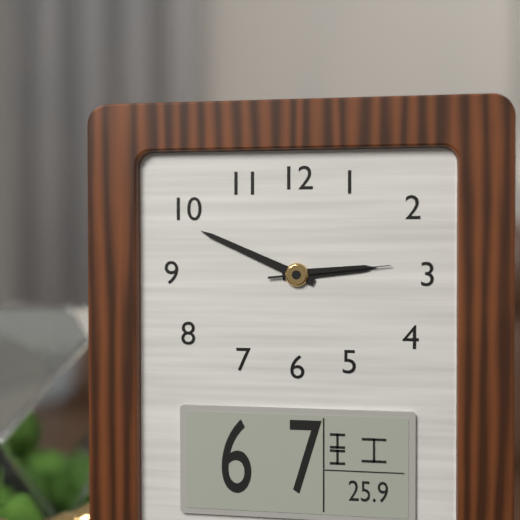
h=2 m=49 s=14
